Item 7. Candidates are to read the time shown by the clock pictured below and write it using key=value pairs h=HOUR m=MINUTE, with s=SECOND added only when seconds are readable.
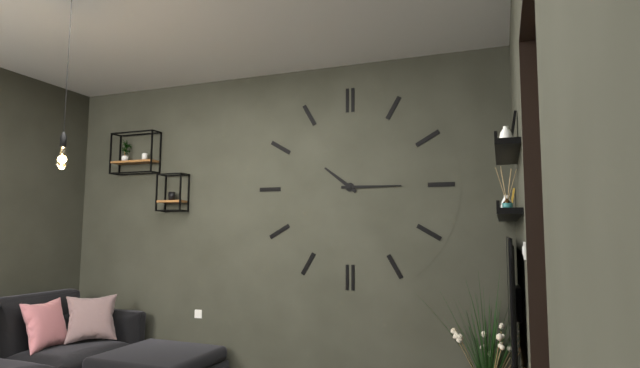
h=10 m=15
